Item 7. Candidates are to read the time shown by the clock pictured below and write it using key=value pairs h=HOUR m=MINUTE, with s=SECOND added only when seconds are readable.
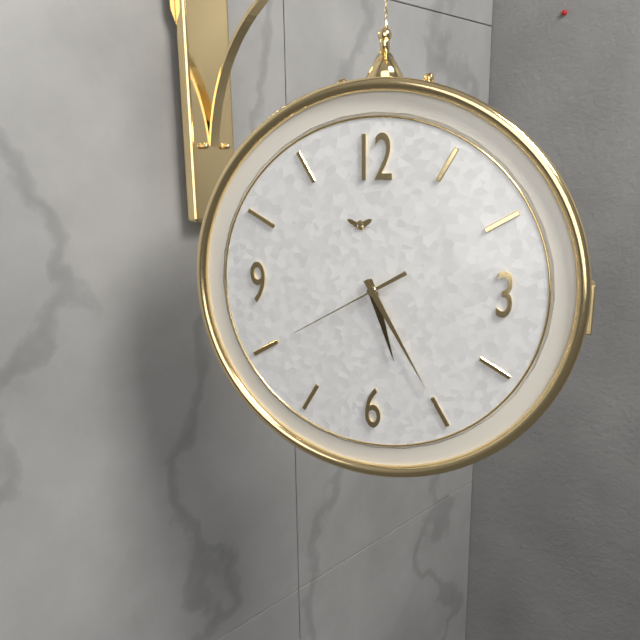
h=5 m=25 s=40
